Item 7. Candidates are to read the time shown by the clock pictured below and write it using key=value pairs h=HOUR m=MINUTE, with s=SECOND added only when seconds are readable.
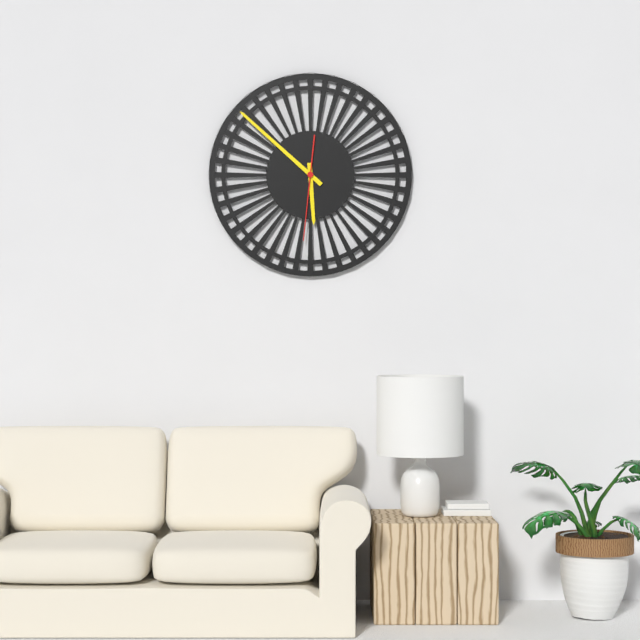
h=5 m=52 s=31
